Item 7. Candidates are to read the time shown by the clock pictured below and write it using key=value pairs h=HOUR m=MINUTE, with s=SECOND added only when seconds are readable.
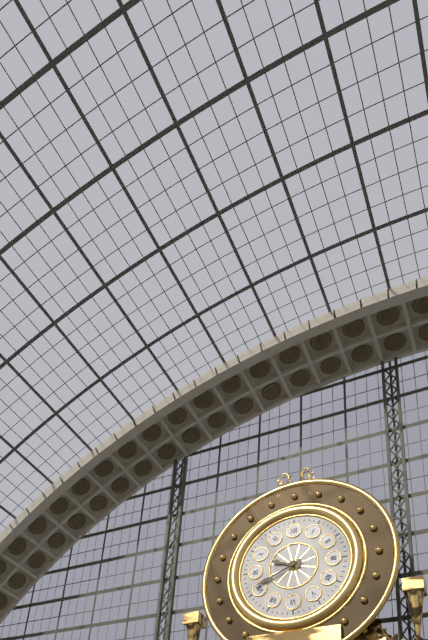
h=9 m=41
